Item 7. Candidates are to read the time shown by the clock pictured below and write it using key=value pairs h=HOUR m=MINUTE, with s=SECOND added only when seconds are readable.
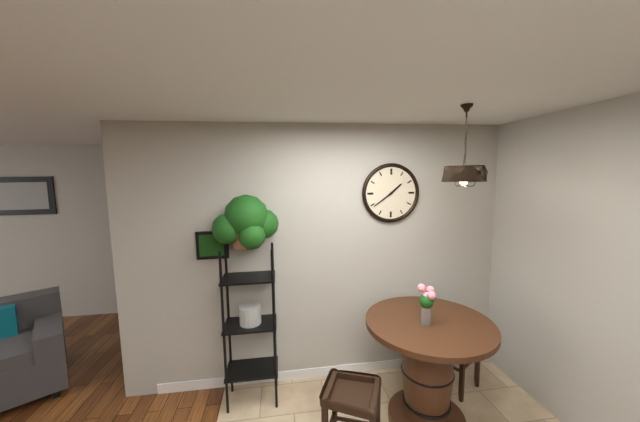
h=1 m=39
